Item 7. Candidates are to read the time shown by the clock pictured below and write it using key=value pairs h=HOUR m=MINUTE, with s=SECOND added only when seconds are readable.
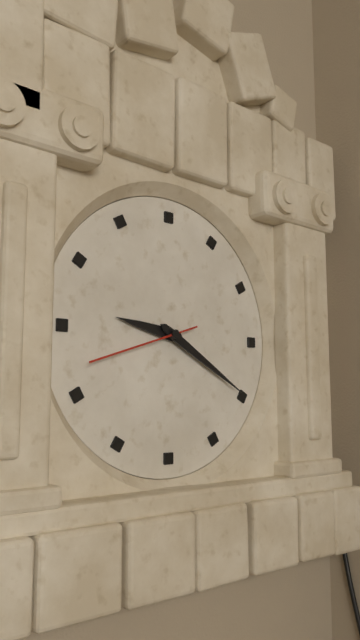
h=9 m=20 s=42
